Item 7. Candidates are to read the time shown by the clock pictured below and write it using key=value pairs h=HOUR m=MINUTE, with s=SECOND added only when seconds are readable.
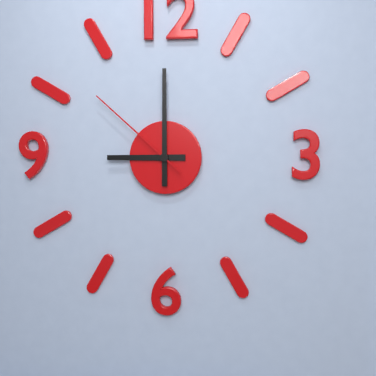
h=9 m=0 s=52
